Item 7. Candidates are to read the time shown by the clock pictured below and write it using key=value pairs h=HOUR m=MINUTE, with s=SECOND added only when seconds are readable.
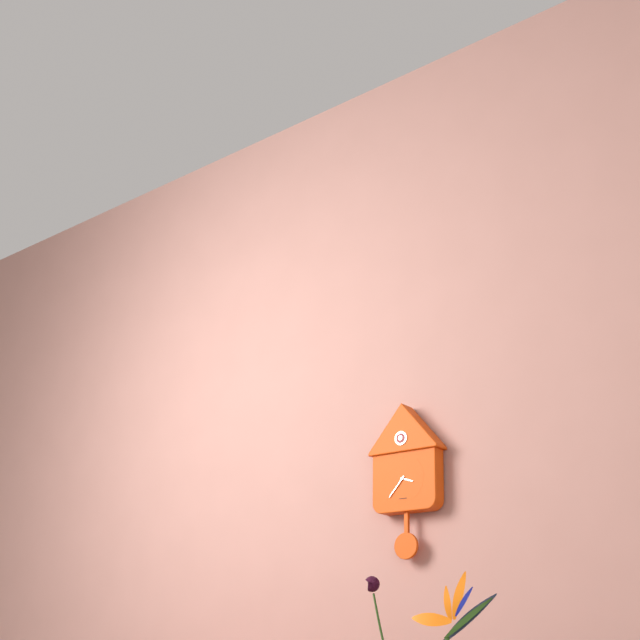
h=3 m=37
